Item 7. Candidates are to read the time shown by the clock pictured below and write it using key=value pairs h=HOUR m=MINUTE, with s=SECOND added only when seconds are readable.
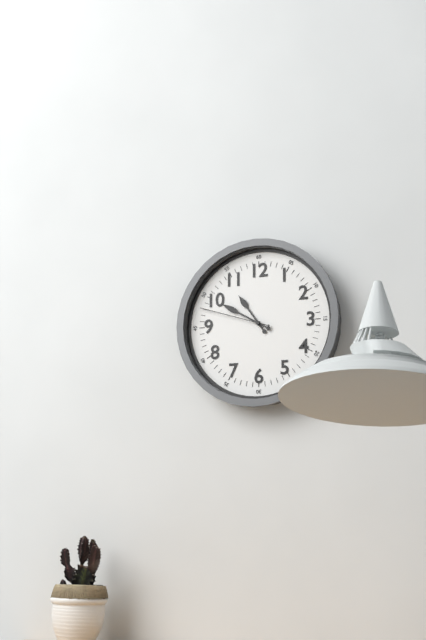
h=10 m=50 s=48
